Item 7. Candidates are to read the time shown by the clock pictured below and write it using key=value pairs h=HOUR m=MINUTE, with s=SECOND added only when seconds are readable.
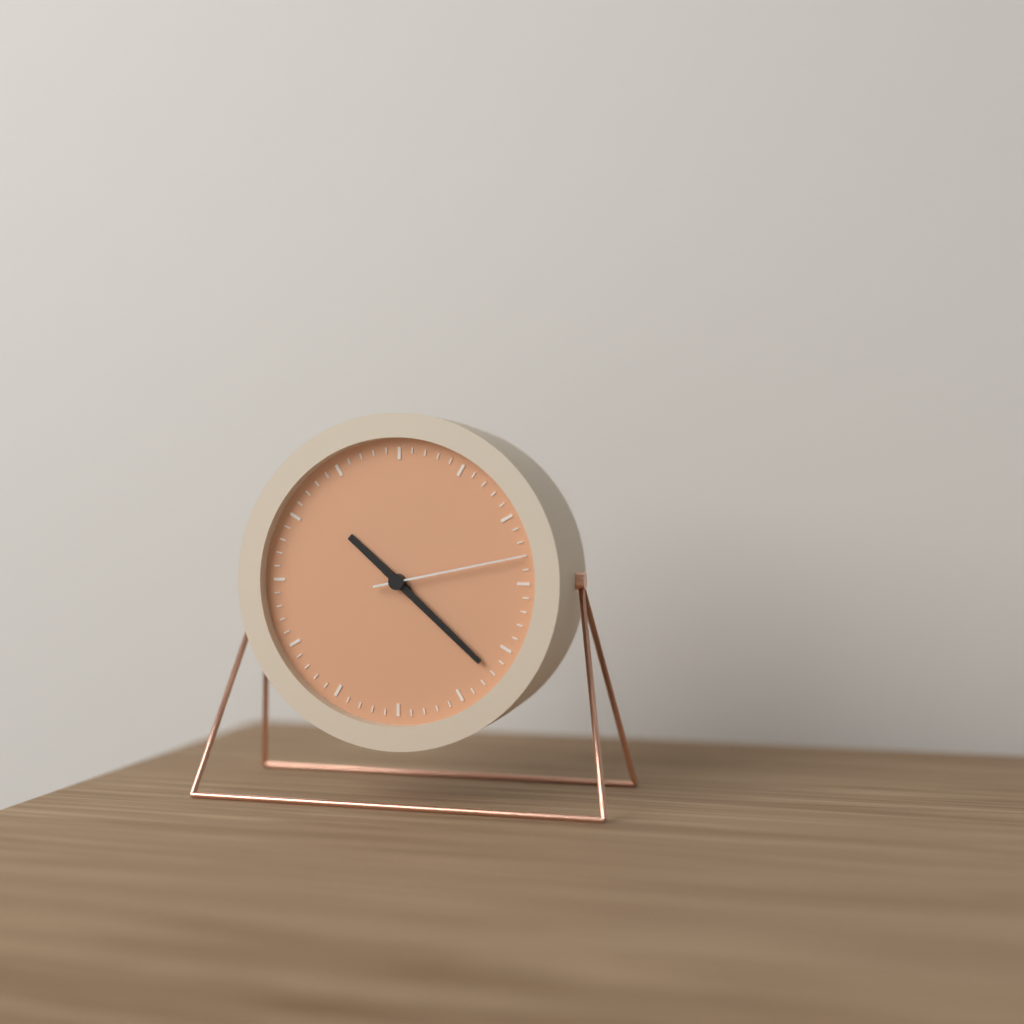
h=10 m=22 s=13
